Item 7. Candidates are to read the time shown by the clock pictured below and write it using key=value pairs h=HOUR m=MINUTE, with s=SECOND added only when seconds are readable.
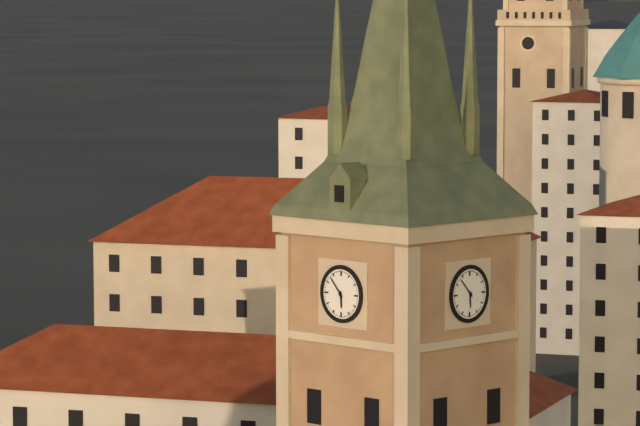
h=5 m=53
